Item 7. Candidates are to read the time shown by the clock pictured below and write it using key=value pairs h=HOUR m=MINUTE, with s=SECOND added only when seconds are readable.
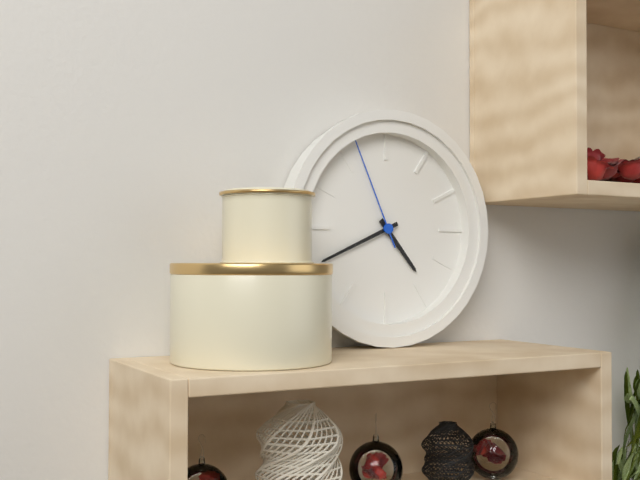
h=4 m=41 s=56
